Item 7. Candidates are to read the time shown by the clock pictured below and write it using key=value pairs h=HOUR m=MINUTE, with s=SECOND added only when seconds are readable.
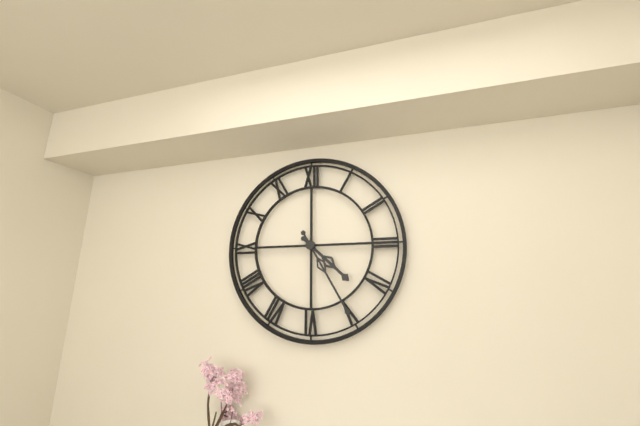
h=4 m=25
